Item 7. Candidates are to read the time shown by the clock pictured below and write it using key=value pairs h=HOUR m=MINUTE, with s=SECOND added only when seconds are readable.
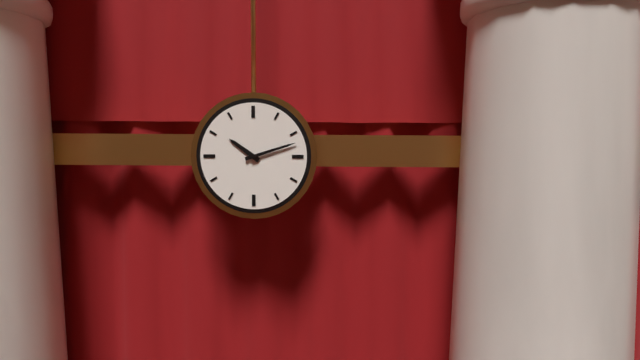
h=10 m=12
